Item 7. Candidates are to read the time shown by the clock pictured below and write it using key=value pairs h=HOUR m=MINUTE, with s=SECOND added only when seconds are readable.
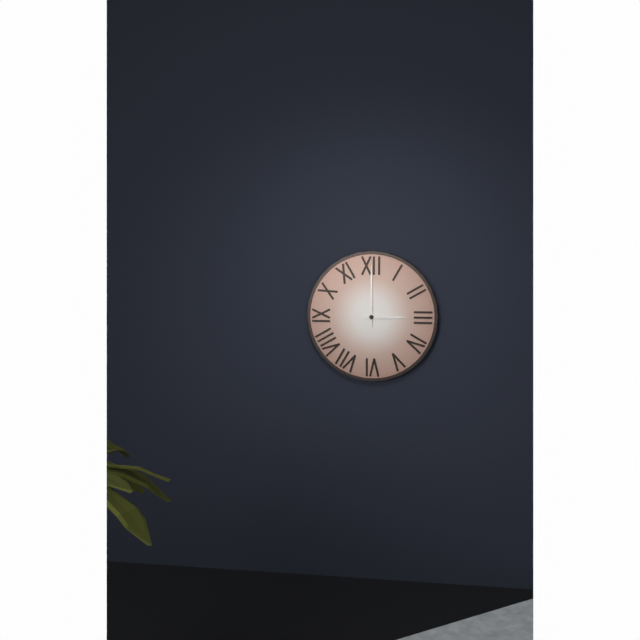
h=3 m=0
